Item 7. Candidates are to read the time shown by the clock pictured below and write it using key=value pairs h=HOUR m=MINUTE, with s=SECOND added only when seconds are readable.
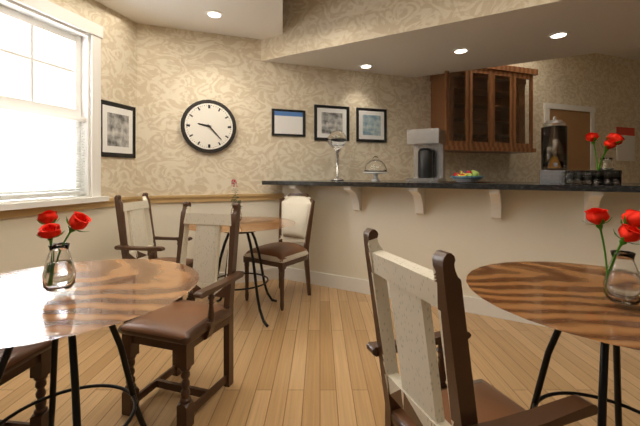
h=9 m=23
